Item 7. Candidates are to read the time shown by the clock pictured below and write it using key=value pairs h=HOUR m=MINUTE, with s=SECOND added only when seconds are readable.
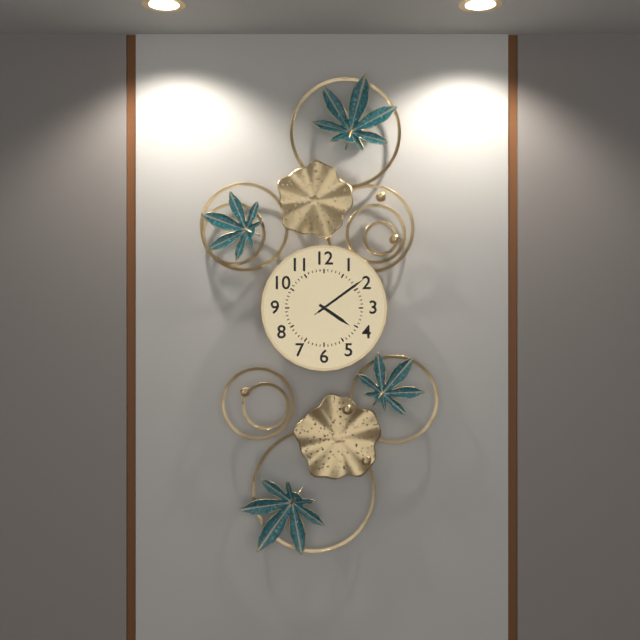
h=4 m=9 s=9
